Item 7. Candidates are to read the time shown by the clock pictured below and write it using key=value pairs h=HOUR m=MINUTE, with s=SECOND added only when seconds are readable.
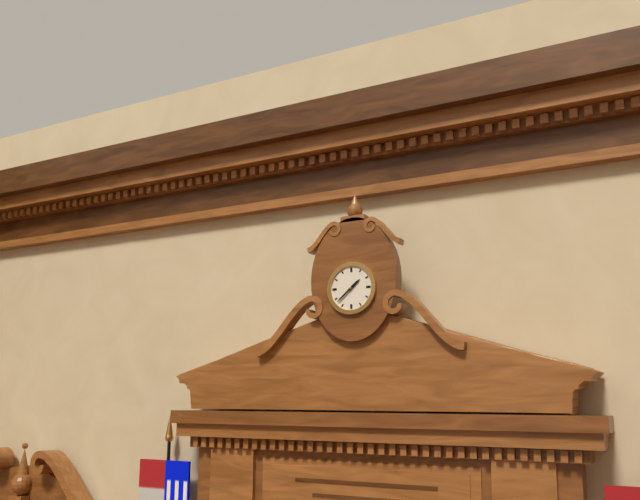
h=1 m=38
